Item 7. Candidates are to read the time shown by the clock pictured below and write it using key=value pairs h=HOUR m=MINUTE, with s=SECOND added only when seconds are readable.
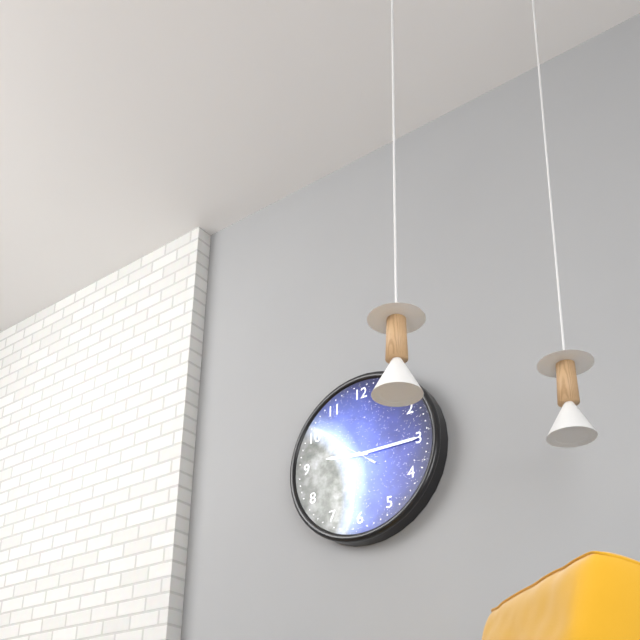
h=9 m=15 s=51
